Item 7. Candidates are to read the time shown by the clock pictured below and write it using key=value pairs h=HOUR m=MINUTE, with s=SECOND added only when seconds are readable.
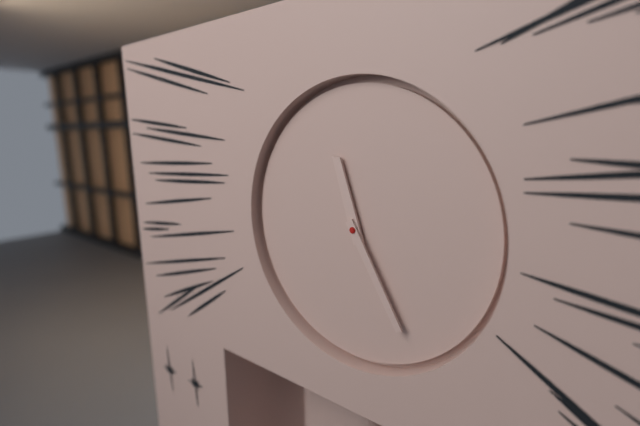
h=11 m=25
